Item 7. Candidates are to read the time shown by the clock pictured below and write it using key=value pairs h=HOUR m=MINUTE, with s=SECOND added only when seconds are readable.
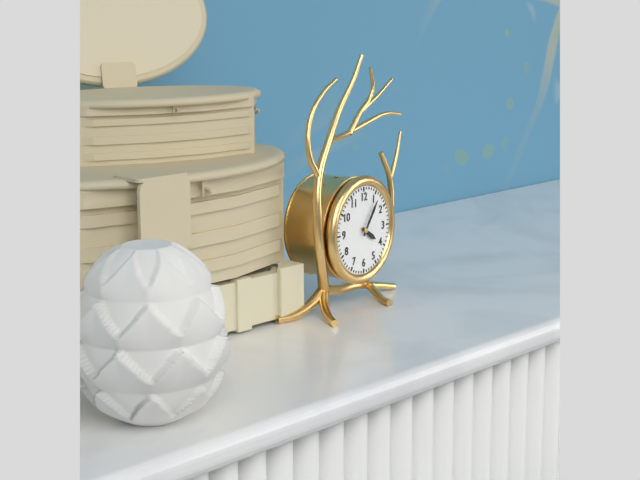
h=4 m=6
